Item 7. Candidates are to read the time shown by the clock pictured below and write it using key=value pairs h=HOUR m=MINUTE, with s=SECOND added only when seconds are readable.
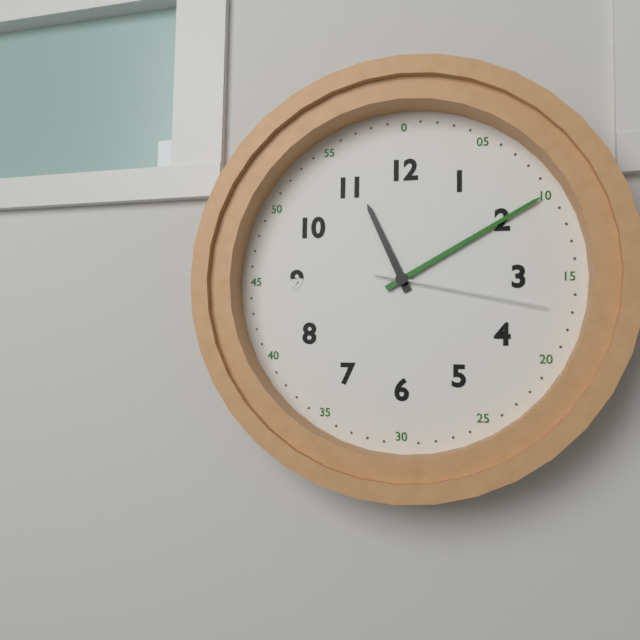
h=11 m=10 s=17
